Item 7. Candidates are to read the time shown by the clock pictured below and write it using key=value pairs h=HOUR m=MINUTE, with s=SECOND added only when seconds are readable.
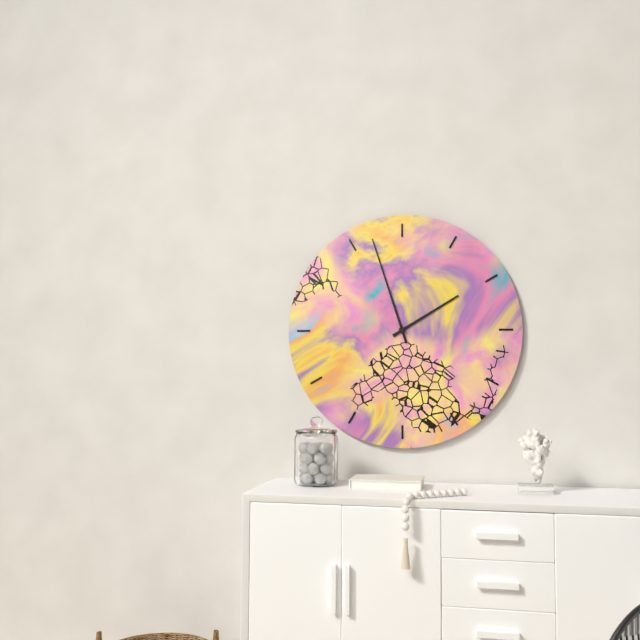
h=1 m=57
